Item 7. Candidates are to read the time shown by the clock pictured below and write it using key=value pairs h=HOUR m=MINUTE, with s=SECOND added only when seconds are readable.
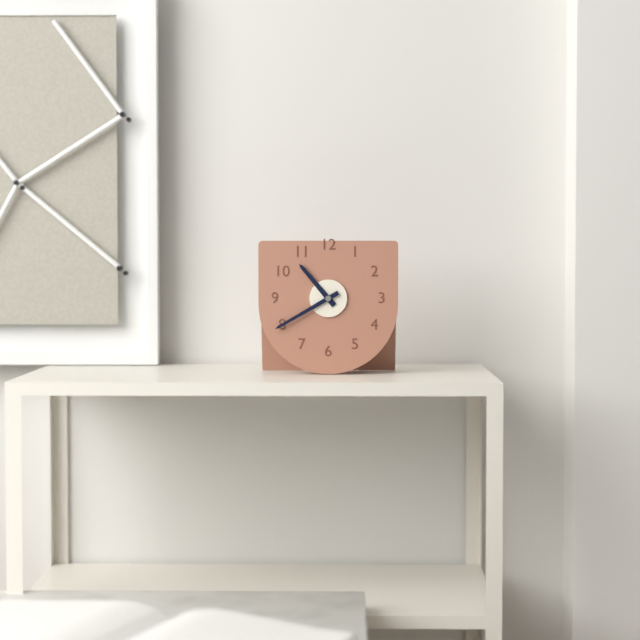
h=10 m=40
